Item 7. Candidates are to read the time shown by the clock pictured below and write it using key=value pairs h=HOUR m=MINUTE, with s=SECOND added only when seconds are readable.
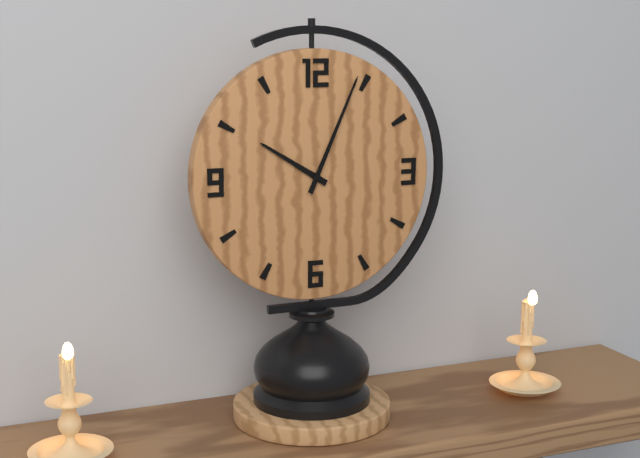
h=10 m=4
